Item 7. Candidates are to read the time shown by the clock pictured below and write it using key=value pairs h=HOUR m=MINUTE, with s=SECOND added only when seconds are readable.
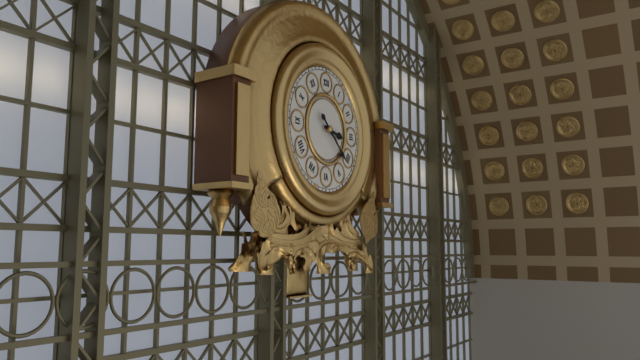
h=3 m=22
